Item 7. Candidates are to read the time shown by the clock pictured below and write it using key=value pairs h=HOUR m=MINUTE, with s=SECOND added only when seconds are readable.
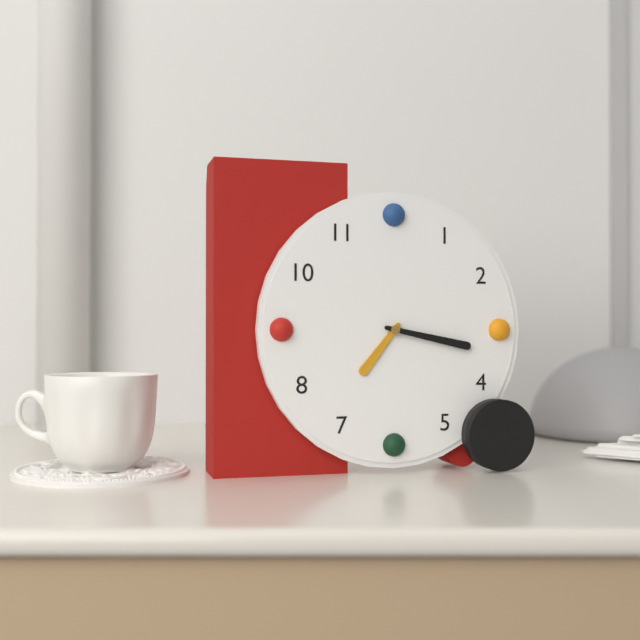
h=7 m=17
